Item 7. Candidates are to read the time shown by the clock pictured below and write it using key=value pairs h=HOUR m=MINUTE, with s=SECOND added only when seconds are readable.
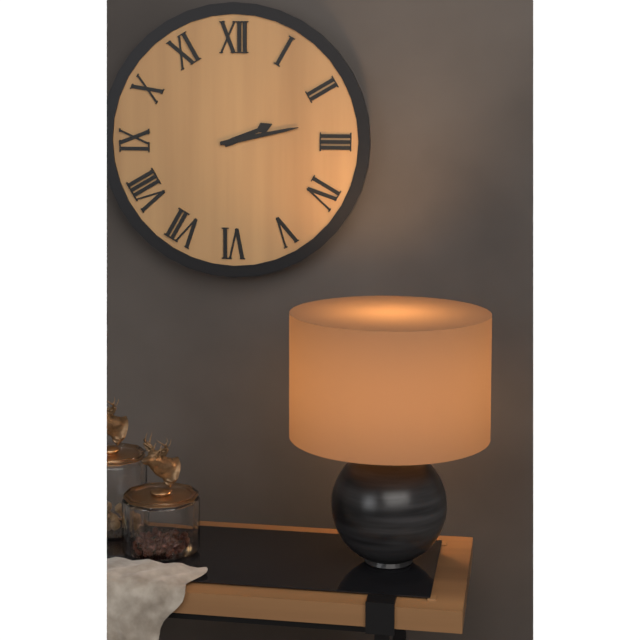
h=2 m=13
